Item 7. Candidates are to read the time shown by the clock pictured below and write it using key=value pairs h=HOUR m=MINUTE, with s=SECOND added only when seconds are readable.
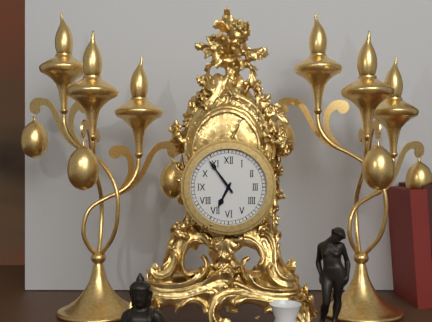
h=6 m=54
